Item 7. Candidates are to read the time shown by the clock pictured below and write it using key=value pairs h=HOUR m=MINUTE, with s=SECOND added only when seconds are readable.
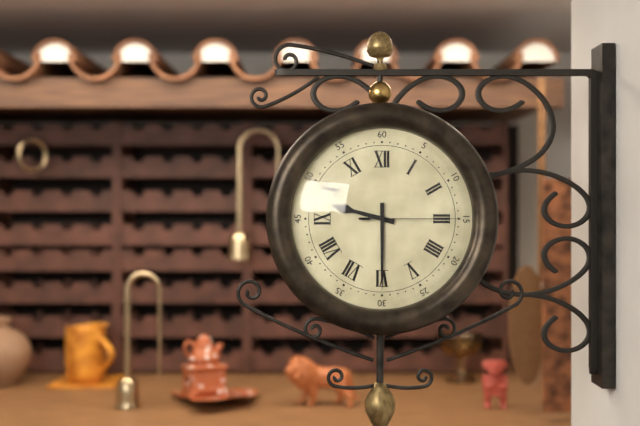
h=9 m=30 s=15
